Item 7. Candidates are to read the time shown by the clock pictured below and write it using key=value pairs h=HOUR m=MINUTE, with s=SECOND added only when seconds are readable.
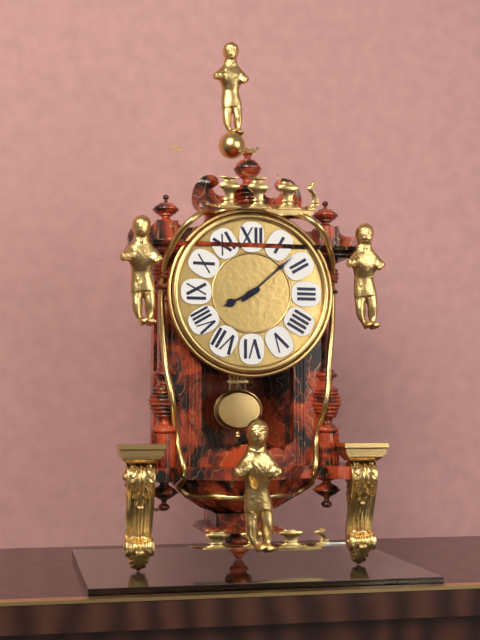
h=8 m=8
